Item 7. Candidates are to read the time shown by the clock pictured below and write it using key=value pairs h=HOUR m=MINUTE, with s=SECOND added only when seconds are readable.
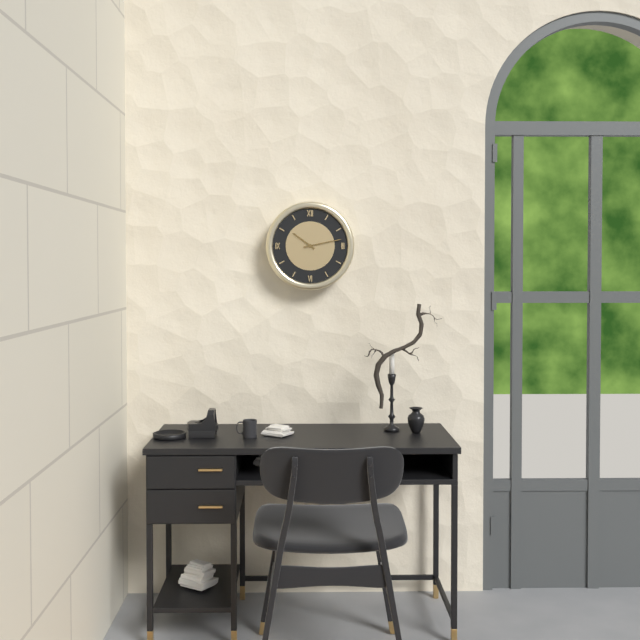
h=10 m=13
